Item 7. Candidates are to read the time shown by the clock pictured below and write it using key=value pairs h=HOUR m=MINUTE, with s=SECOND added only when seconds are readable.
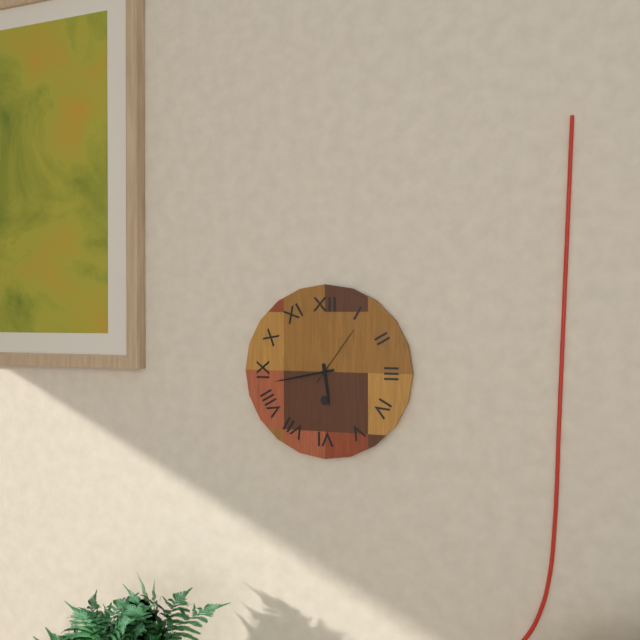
h=5 m=43 s=6
